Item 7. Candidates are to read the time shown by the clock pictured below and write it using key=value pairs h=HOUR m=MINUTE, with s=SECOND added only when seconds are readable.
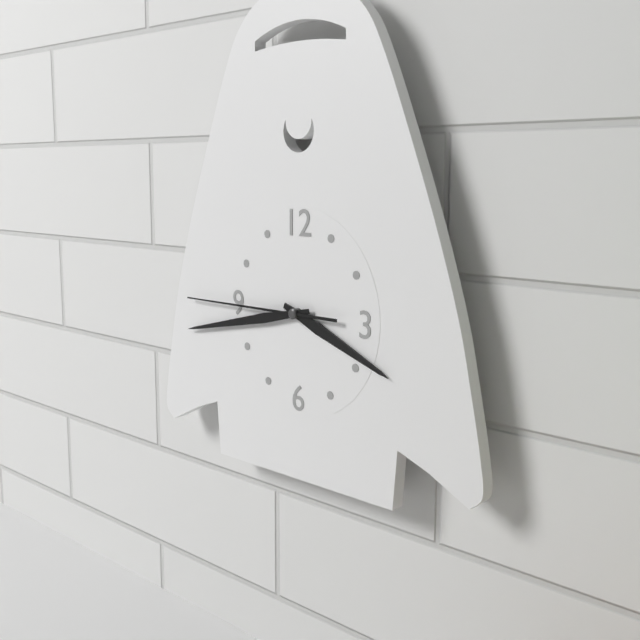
h=3 m=43 s=45
